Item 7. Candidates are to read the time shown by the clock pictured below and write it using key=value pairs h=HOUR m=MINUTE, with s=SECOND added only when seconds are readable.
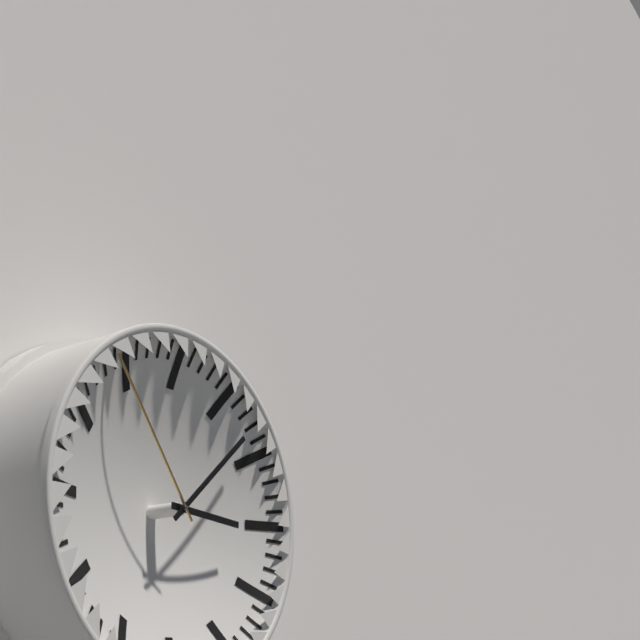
h=3 m=8 s=54
